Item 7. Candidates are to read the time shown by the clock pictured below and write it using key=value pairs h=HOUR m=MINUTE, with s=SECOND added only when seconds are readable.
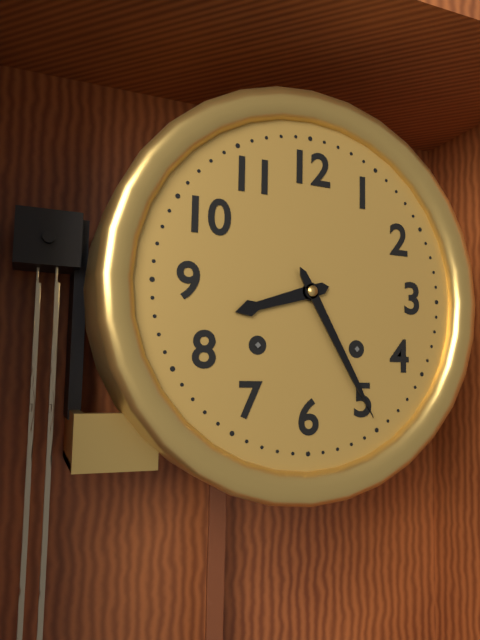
h=8 m=25
